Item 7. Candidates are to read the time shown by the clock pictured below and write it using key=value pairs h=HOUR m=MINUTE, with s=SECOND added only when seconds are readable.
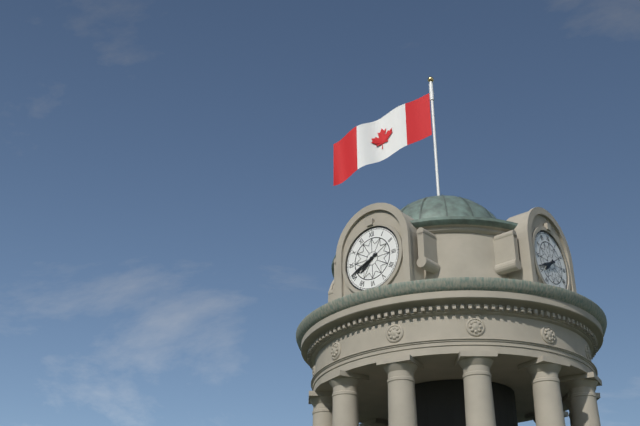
h=7 m=41
